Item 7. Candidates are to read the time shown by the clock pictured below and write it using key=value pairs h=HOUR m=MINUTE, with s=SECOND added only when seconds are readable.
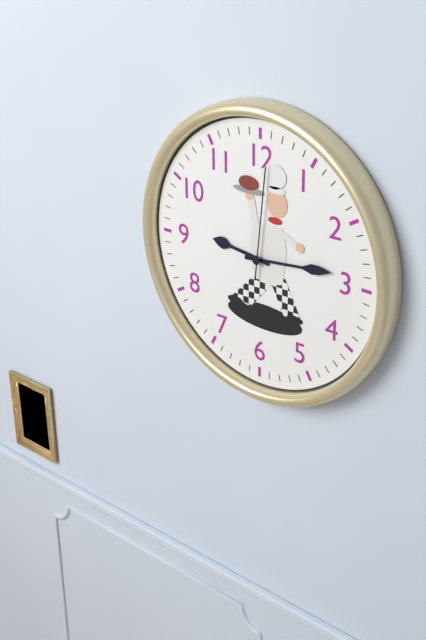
h=9 m=14 s=1
